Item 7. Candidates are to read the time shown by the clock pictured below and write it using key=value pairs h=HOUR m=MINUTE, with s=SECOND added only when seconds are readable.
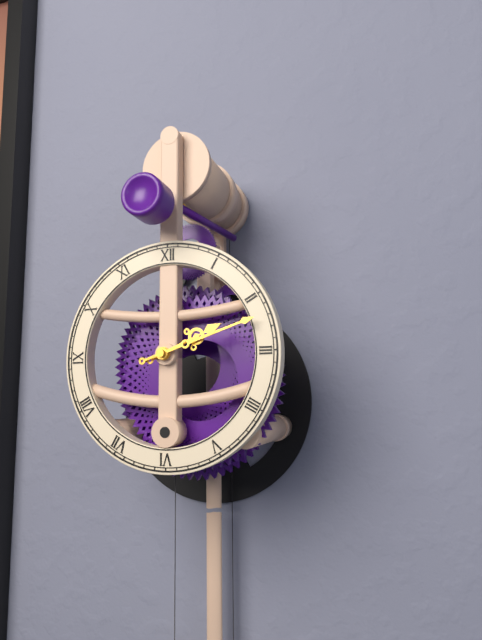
h=2 m=12
